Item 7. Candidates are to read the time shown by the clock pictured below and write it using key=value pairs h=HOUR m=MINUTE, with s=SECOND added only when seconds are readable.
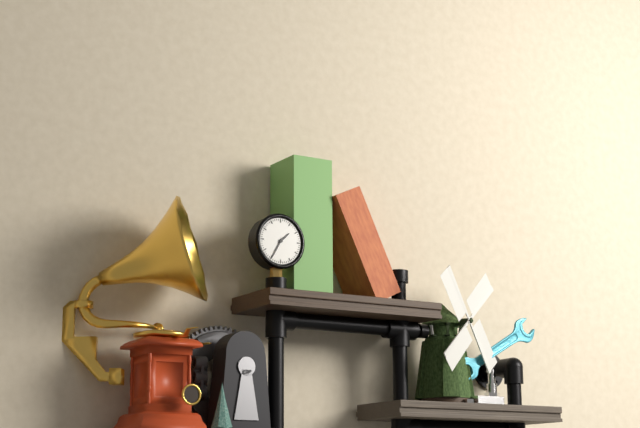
h=1 m=35
